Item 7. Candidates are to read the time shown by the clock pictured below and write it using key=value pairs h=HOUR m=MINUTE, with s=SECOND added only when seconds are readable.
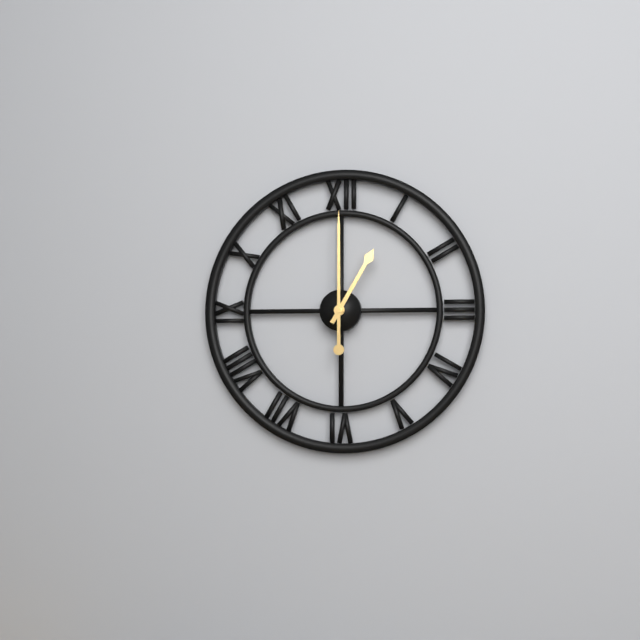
h=1 m=0
